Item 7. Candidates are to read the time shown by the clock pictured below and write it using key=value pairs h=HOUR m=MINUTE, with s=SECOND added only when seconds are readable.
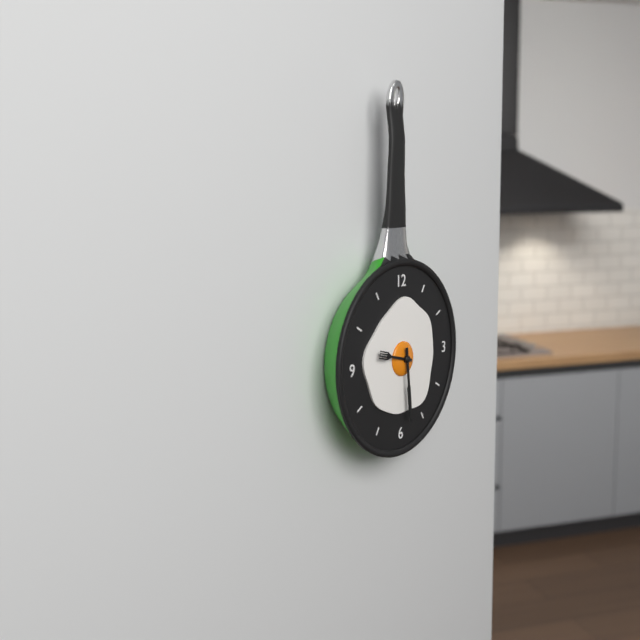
h=9 m=29
